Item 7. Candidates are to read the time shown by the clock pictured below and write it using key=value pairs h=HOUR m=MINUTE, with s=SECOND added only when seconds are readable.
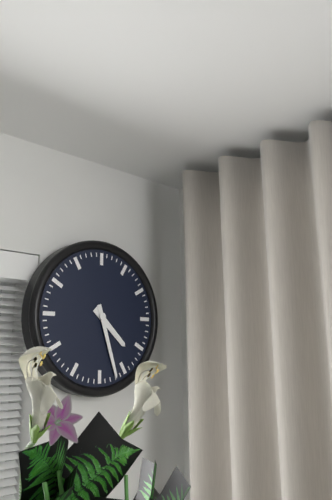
h=4 m=27
